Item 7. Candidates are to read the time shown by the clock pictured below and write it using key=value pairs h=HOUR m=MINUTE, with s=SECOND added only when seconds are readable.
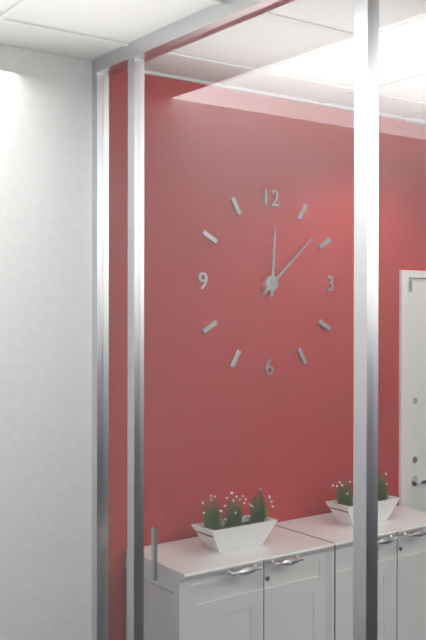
h=12 m=8
